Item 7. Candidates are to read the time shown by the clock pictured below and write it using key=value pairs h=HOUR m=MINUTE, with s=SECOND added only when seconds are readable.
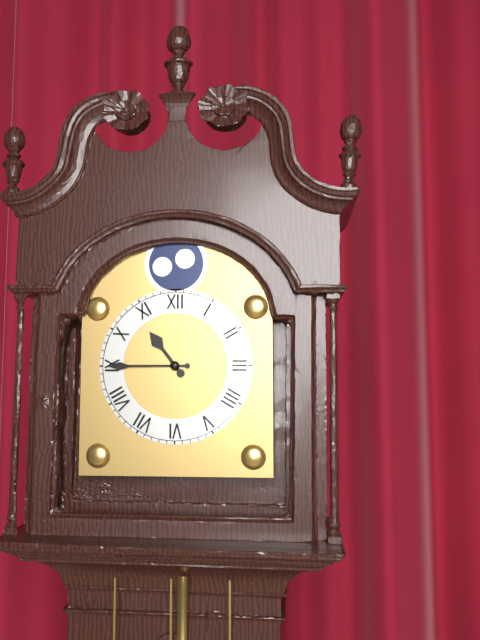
h=10 m=45
